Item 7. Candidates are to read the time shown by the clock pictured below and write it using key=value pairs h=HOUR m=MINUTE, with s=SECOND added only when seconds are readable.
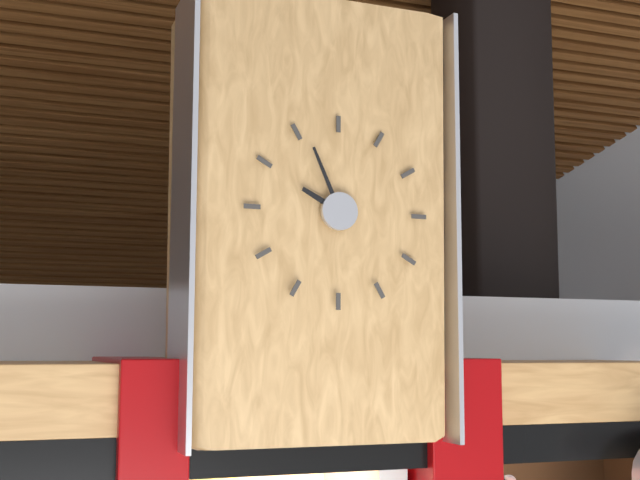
h=9 m=56
